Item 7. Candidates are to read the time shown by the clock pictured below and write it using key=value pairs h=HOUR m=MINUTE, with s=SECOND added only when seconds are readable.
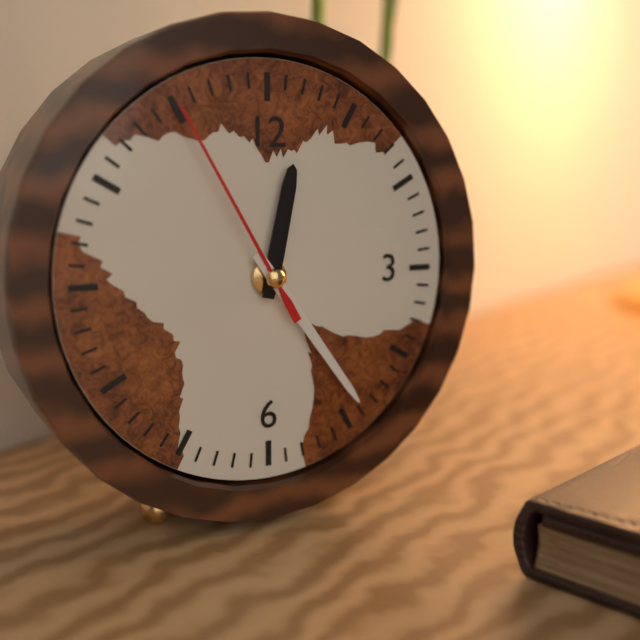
h=12 m=24 s=55
